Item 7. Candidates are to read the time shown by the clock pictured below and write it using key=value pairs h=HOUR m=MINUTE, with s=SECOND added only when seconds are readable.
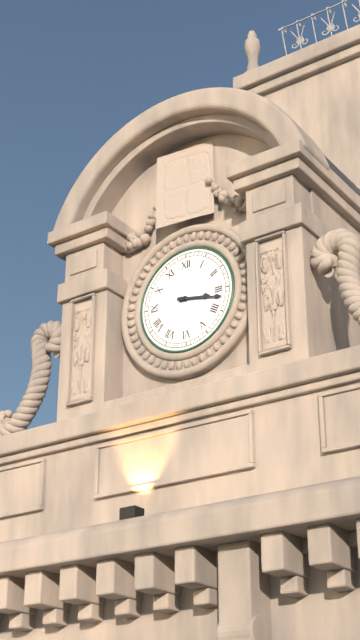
h=3 m=17
